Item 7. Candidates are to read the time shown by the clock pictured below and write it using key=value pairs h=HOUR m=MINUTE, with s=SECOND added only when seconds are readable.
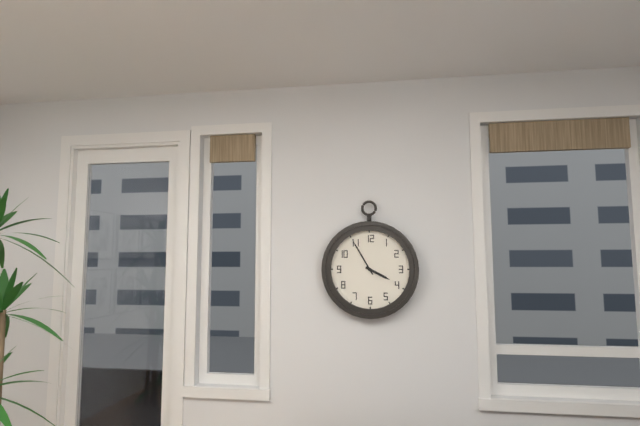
h=3 m=55
